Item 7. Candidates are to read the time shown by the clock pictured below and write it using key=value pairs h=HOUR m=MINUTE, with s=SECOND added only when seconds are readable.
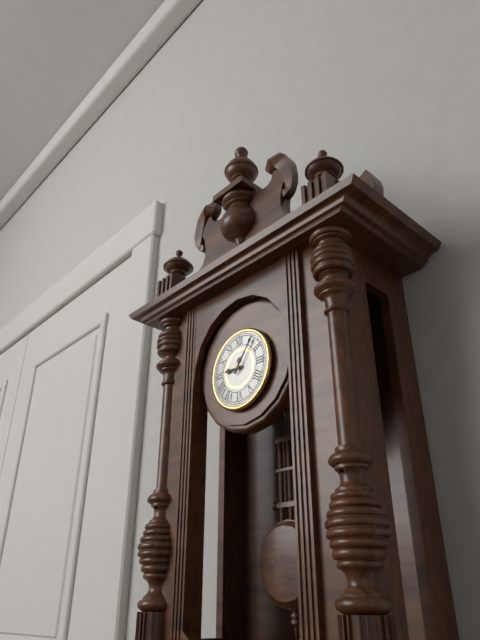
h=9 m=6
